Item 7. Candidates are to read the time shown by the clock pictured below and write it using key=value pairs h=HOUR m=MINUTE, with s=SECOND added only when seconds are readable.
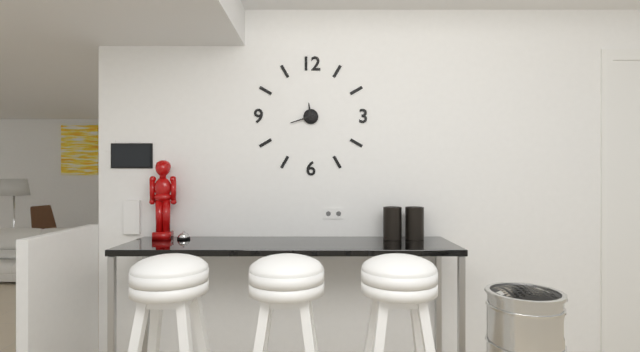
h=11 m=42
